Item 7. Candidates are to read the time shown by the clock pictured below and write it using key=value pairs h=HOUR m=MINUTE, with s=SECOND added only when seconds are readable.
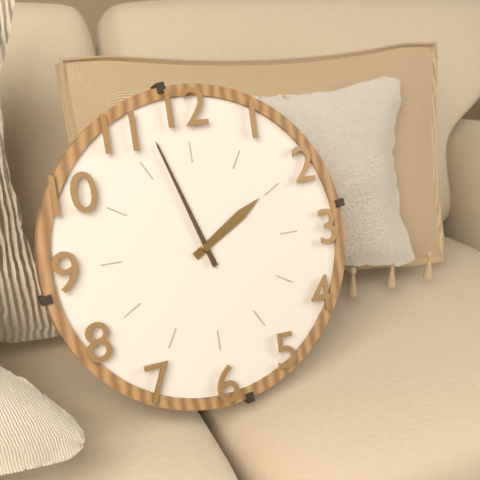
h=1 m=57
